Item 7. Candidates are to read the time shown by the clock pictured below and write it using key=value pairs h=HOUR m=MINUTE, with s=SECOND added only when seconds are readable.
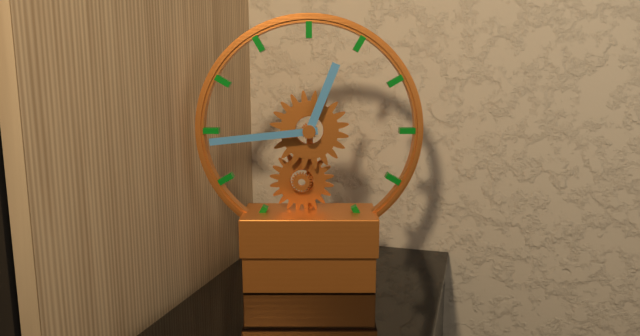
h=12 m=44
